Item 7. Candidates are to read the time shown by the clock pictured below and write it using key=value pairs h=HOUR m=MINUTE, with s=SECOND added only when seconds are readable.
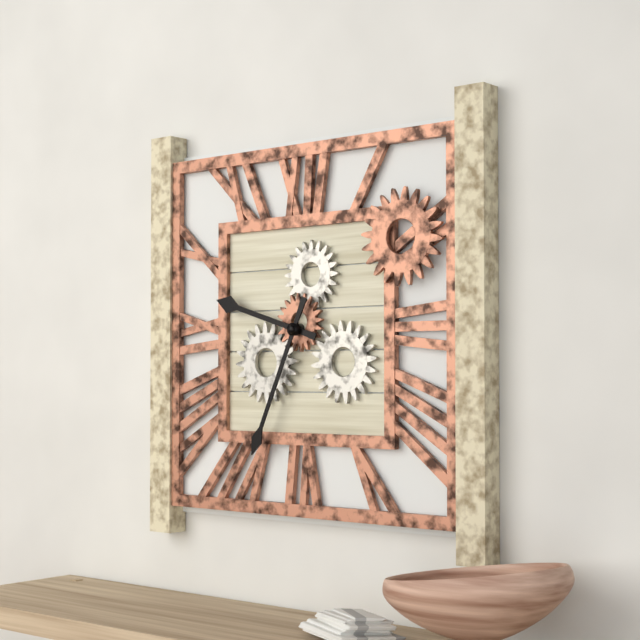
h=9 m=34
